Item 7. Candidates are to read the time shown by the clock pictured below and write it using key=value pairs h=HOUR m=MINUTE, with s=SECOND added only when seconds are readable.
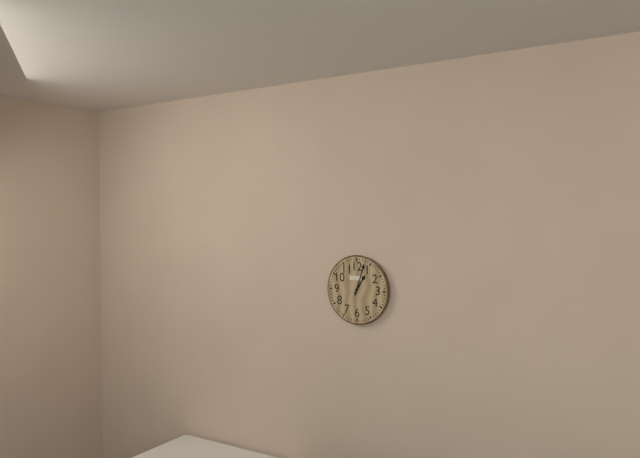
h=1 m=3
